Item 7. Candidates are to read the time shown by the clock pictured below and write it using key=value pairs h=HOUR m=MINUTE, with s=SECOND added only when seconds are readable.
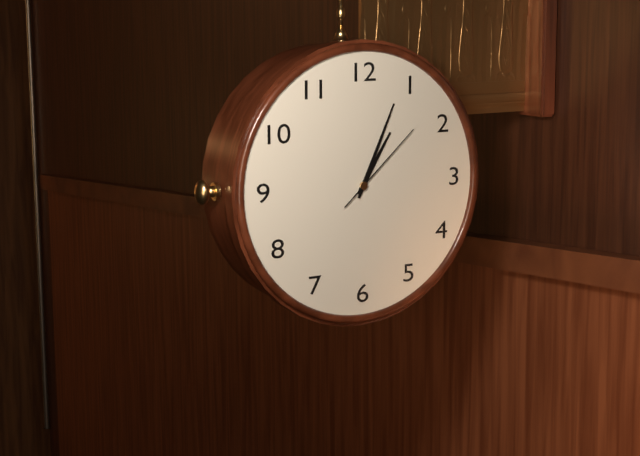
h=1 m=4 s=8
